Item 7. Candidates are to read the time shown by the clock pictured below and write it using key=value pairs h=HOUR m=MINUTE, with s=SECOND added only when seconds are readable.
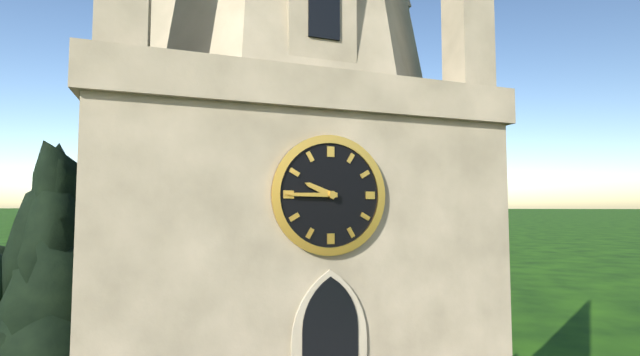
h=9 m=45
